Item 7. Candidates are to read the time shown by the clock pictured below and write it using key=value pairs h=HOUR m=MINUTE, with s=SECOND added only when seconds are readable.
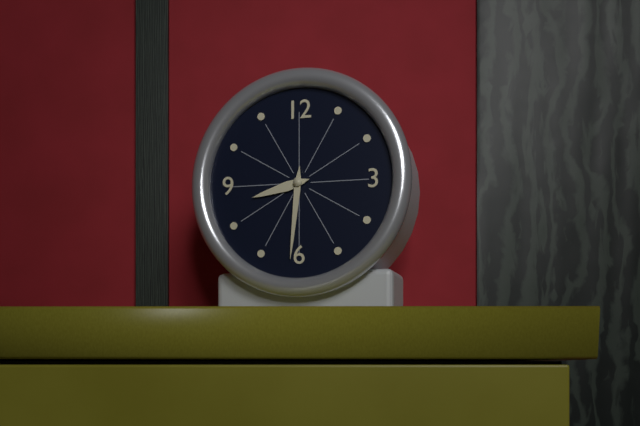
h=8 m=31
